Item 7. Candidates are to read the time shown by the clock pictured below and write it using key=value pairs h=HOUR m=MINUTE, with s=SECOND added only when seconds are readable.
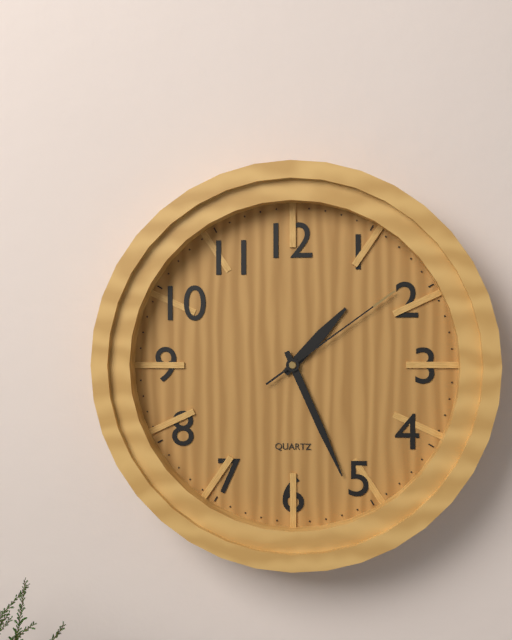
h=1 m=26 s=9
